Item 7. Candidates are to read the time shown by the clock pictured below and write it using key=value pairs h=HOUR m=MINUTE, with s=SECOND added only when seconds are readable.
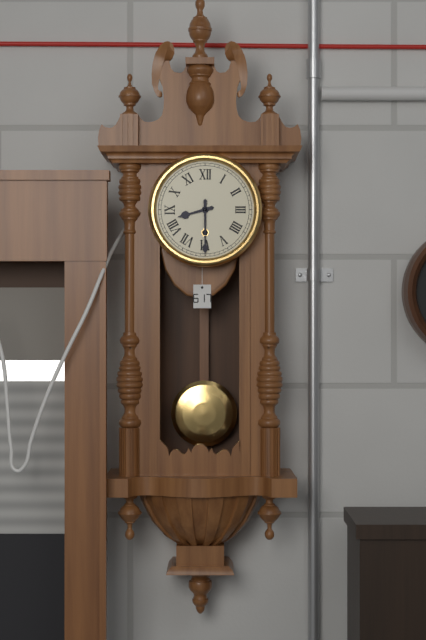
h=8 m=30
